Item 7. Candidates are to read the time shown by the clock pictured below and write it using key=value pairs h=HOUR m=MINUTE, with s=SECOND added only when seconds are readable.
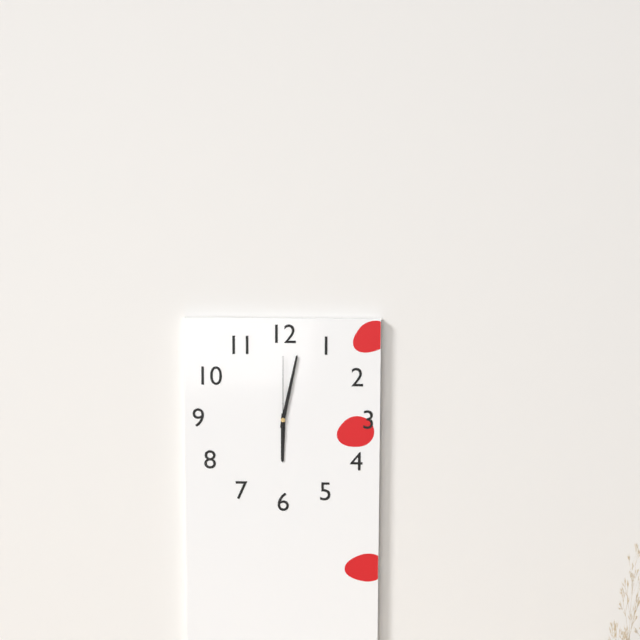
h=6 m=2 s=0
